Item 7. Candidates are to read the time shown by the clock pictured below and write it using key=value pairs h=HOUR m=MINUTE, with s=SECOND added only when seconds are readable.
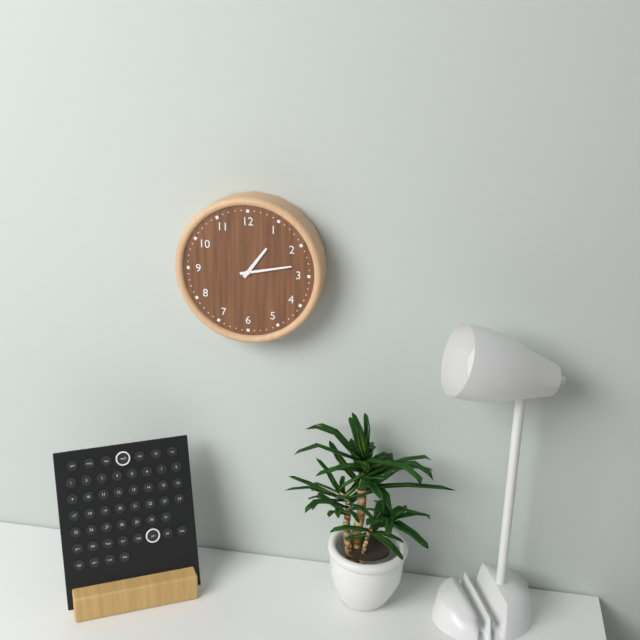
h=1 m=13
